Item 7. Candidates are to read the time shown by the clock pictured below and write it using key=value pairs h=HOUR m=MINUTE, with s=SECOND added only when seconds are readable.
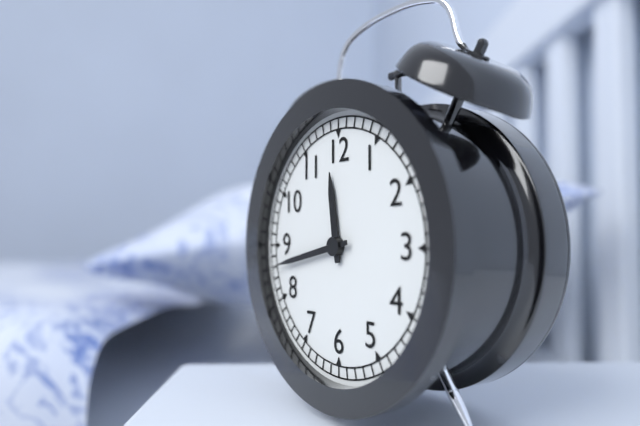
h=11 m=43
